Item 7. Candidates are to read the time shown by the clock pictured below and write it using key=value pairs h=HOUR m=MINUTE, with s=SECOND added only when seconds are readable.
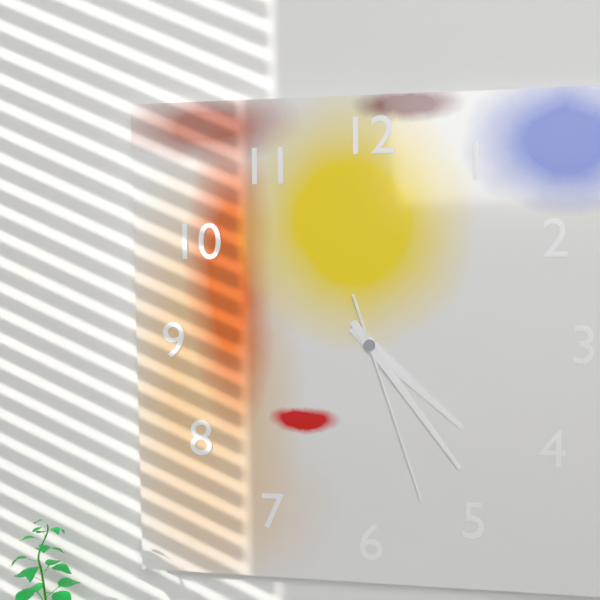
h=4 m=24 s=27
